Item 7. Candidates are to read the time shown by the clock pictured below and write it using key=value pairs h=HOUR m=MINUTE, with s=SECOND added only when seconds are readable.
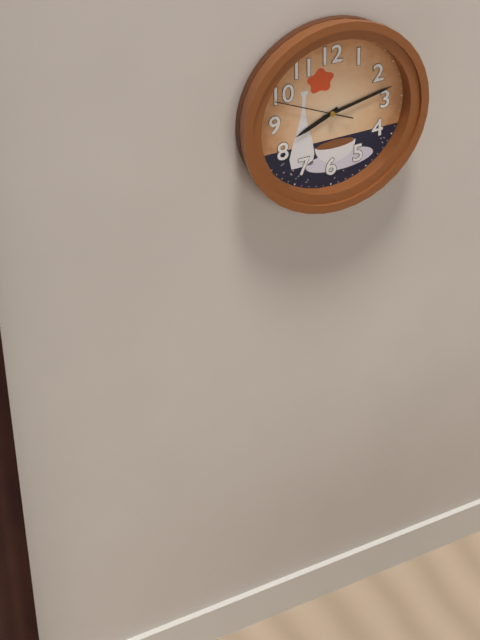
h=8 m=13 s=49
